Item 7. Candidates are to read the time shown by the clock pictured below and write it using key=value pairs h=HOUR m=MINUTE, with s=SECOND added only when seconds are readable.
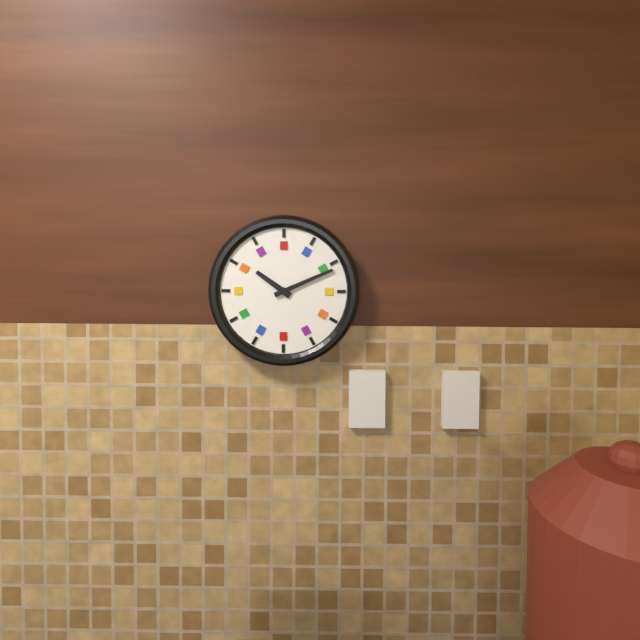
h=10 m=11
